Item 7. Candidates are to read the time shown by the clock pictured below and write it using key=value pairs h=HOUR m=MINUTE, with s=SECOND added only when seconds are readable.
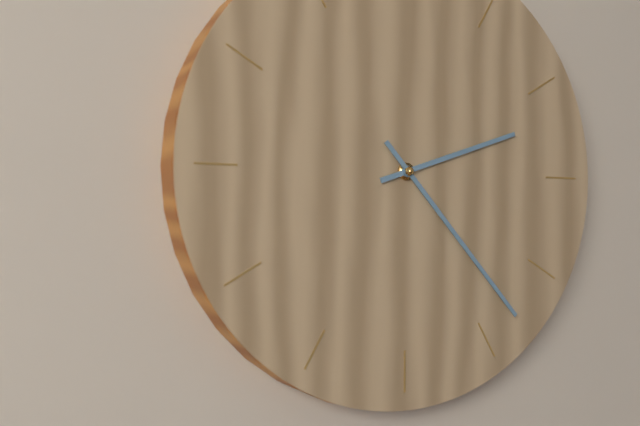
h=2 m=23
